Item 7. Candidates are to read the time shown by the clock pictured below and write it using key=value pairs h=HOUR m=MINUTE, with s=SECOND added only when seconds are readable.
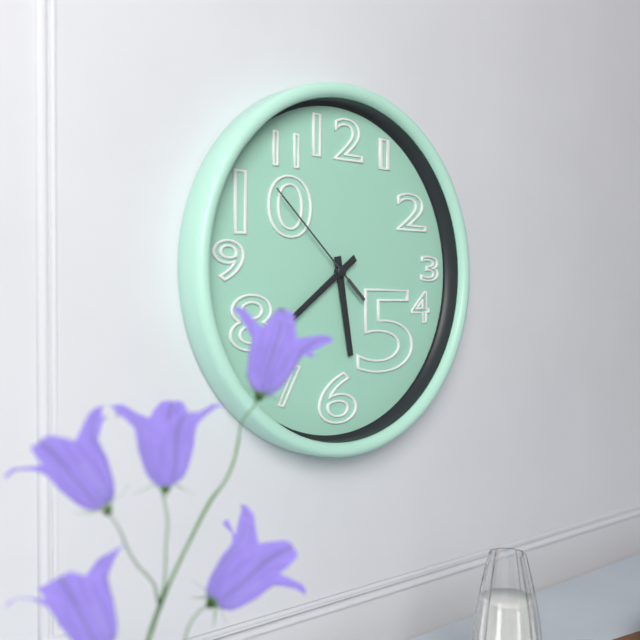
h=5 m=39 s=52
